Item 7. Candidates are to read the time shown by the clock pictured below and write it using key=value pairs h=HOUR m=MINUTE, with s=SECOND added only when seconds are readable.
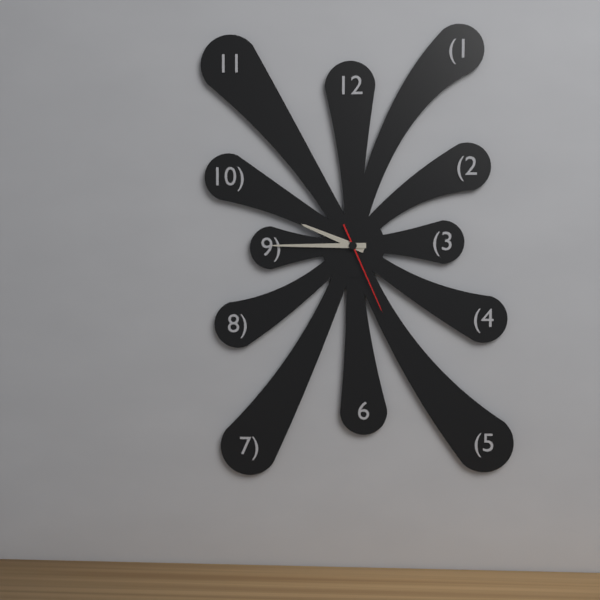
h=9 m=45 s=26
